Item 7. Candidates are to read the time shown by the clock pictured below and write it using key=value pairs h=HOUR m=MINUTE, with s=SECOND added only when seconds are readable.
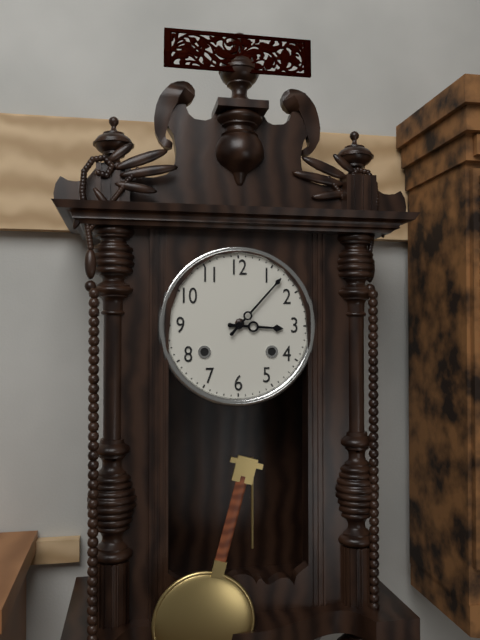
h=3 m=7
